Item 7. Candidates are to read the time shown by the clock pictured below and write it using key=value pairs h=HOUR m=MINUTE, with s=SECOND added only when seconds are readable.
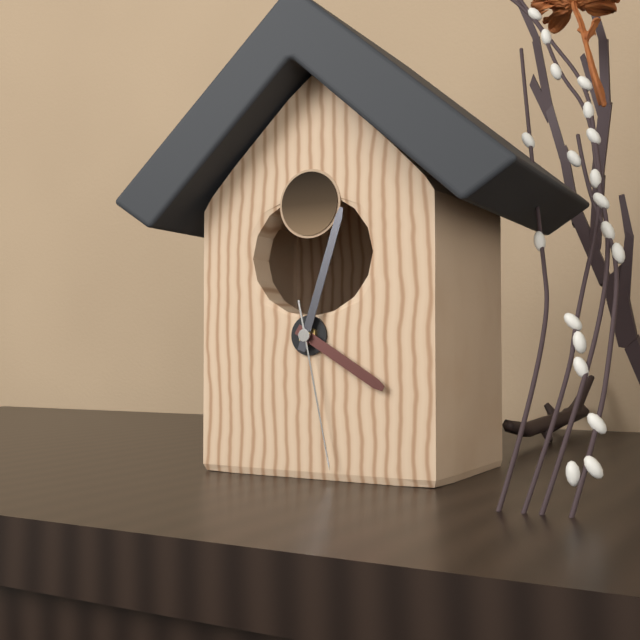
h=4 m=3 s=28
